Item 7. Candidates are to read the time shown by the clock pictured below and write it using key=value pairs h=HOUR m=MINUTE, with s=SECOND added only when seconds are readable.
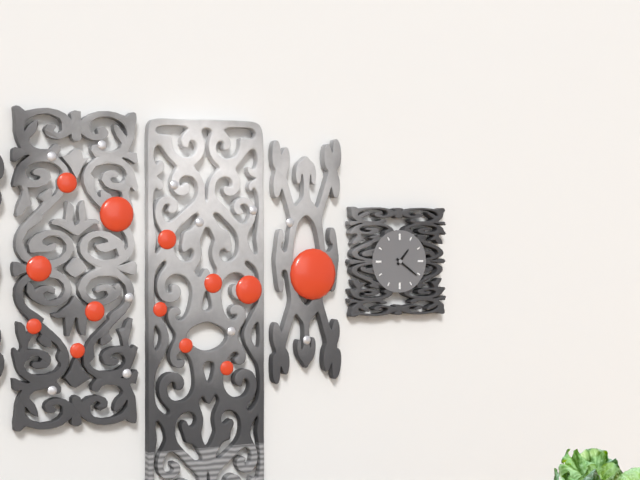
h=1 m=21
